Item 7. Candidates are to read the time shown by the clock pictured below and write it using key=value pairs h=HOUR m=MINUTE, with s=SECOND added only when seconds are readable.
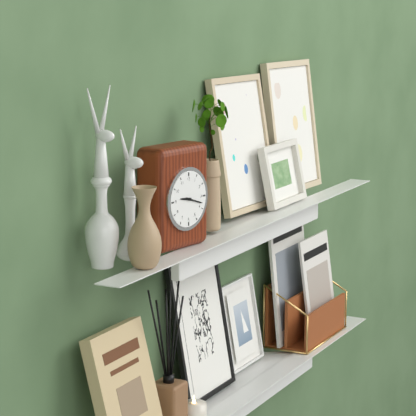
h=9 m=18
